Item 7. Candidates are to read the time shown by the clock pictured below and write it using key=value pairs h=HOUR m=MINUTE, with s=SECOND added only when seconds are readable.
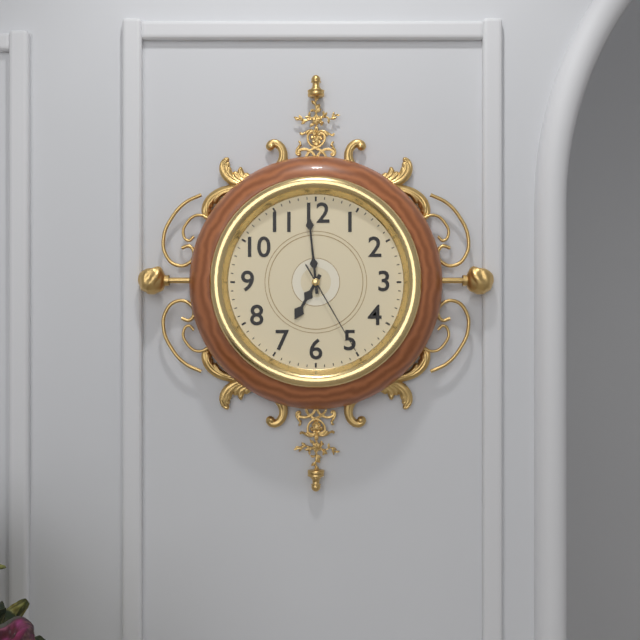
h=6 m=59 s=25
